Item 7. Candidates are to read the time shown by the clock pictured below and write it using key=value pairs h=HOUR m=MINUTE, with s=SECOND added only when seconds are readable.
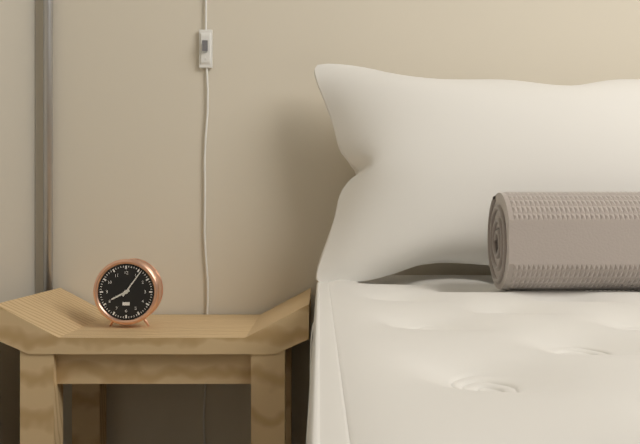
h=8 m=6
